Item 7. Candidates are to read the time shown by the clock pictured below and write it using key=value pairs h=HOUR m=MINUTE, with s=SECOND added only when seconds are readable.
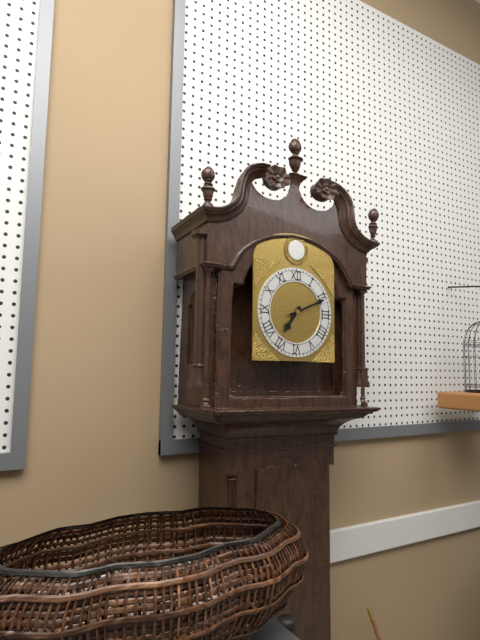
h=7 m=11
